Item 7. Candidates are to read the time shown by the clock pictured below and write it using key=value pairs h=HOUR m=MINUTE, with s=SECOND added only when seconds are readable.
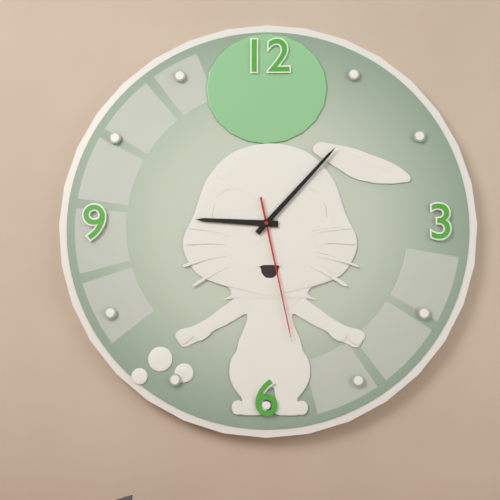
h=9 m=7 s=28
